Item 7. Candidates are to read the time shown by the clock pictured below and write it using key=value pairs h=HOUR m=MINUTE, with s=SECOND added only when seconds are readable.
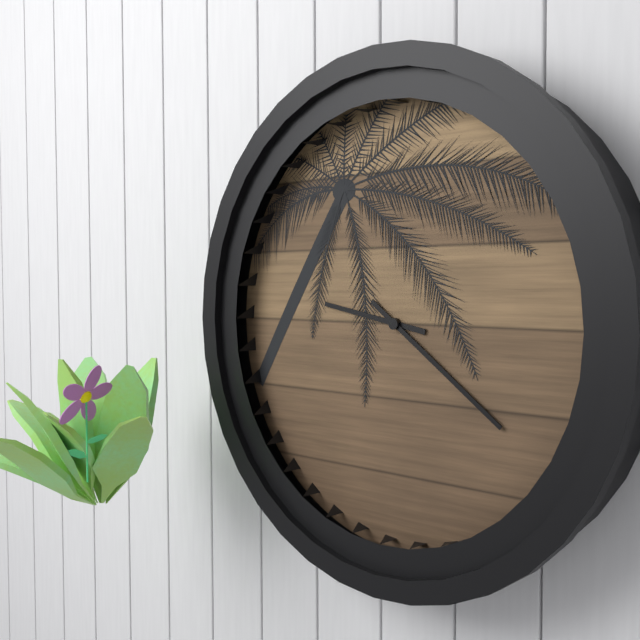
h=9 m=21
